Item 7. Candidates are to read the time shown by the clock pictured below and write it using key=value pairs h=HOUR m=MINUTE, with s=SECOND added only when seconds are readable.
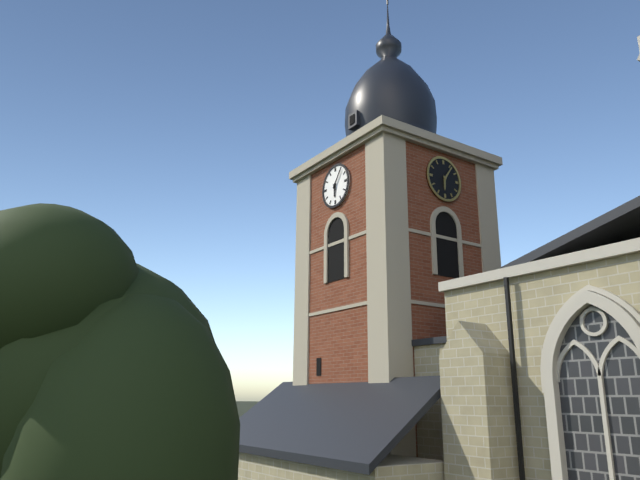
h=6 m=6
